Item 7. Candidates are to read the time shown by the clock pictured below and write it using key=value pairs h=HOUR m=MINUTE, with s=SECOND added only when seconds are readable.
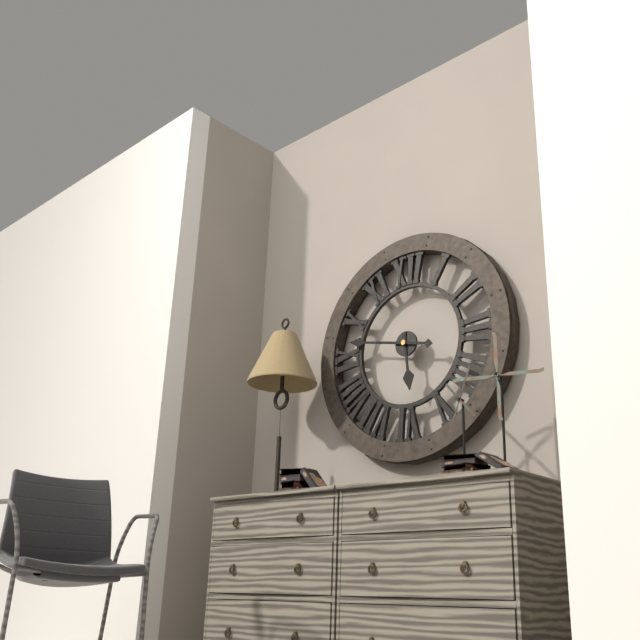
h=5 m=47
